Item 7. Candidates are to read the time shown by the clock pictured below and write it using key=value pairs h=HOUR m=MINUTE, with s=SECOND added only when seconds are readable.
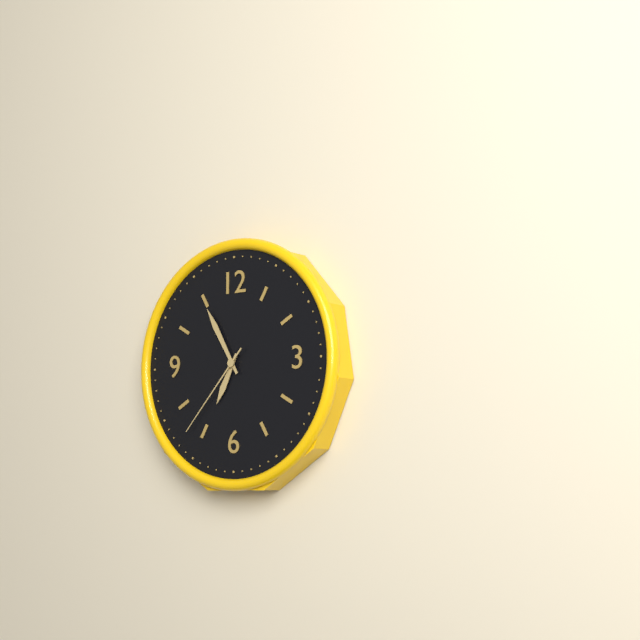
h=6 m=55 s=37
